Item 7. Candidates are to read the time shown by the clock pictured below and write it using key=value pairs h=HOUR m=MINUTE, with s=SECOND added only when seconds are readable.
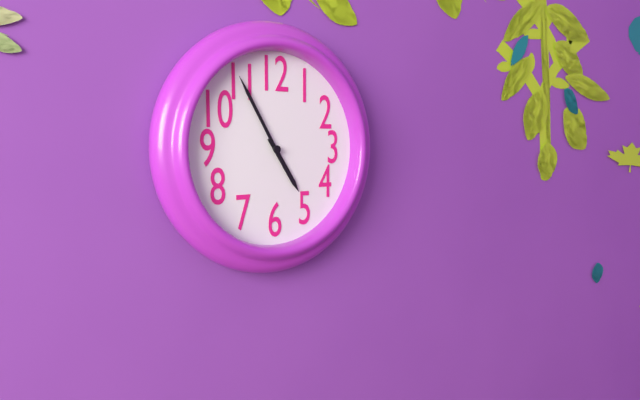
h=4 m=55
